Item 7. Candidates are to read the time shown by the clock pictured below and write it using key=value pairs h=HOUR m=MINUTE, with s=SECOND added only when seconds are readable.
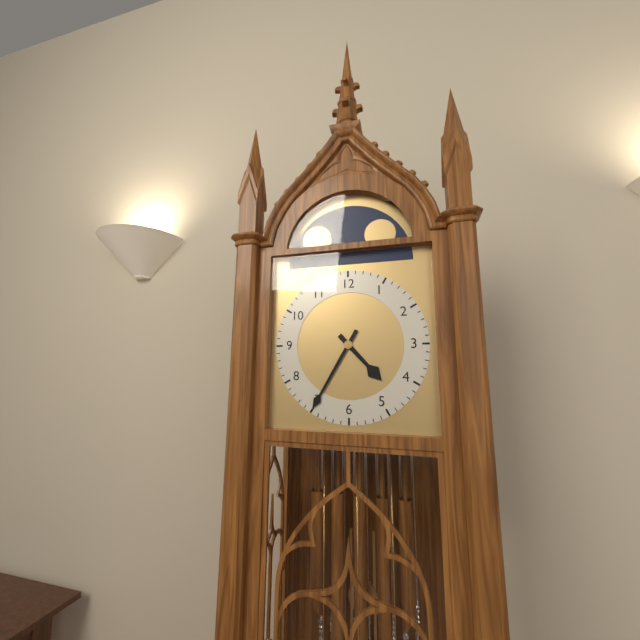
h=4 m=35
